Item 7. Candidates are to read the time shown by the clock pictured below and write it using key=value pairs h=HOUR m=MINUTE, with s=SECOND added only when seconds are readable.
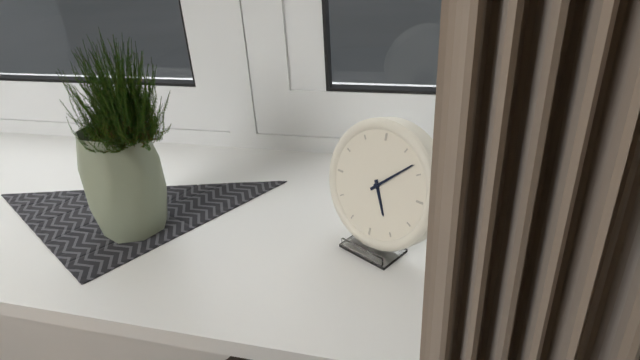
h=5 m=8
